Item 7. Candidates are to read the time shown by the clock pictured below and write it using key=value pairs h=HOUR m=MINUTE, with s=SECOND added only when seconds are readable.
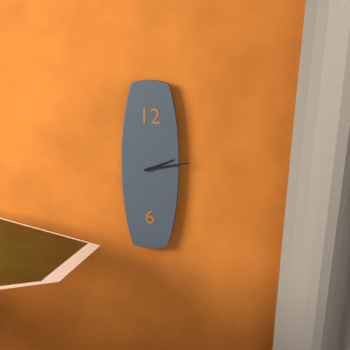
h=2 m=13
